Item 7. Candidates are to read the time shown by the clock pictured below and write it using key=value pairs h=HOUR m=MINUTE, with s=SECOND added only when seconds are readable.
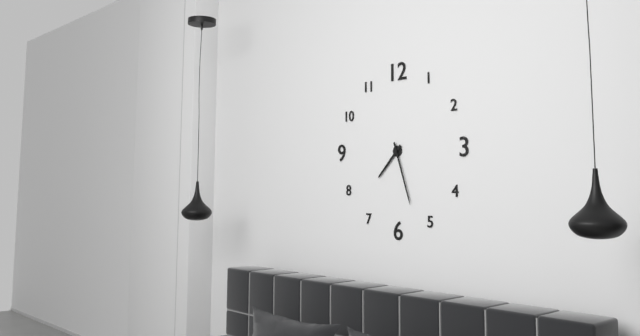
h=7 m=27
